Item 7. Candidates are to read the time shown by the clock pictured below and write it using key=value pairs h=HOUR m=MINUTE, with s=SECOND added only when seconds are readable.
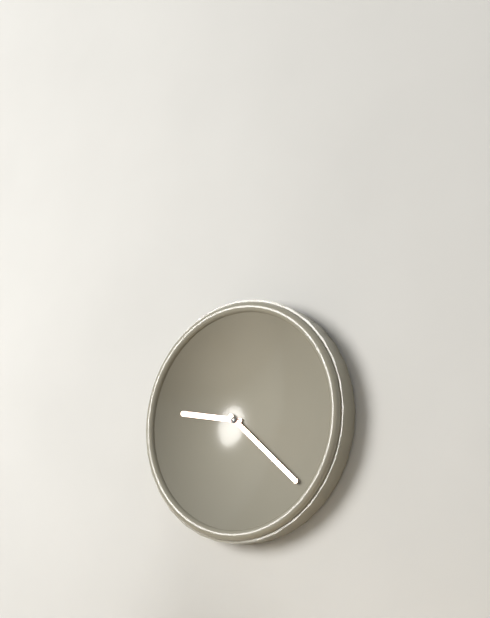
h=9 m=22
